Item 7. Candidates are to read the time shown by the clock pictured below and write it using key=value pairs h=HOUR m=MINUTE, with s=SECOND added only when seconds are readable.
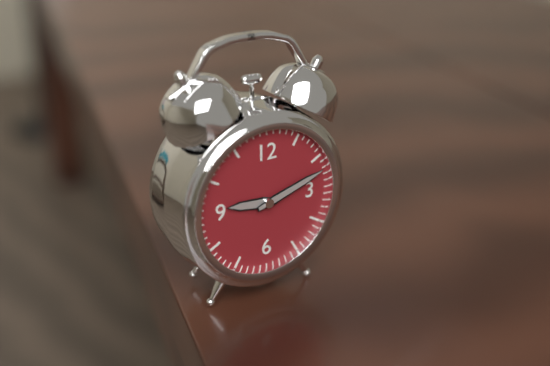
h=9 m=12
